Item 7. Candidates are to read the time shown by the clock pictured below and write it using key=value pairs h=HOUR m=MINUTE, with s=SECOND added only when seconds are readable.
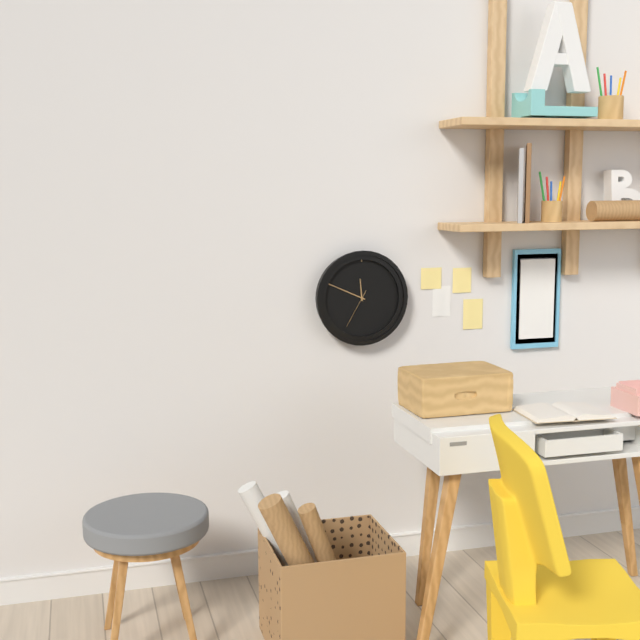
h=11 m=49
